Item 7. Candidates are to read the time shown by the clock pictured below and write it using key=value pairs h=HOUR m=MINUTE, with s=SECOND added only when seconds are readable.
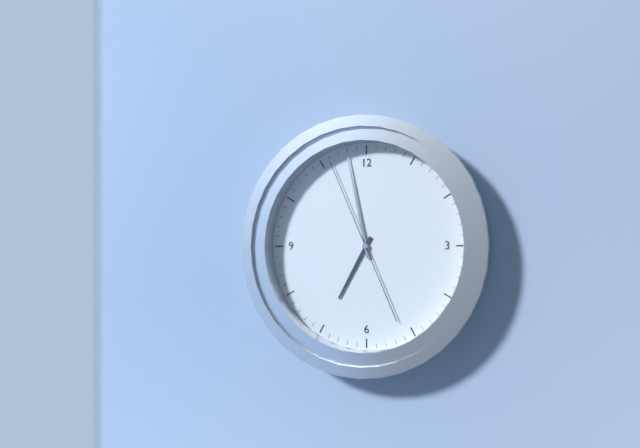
h=6 m=58 s=56
